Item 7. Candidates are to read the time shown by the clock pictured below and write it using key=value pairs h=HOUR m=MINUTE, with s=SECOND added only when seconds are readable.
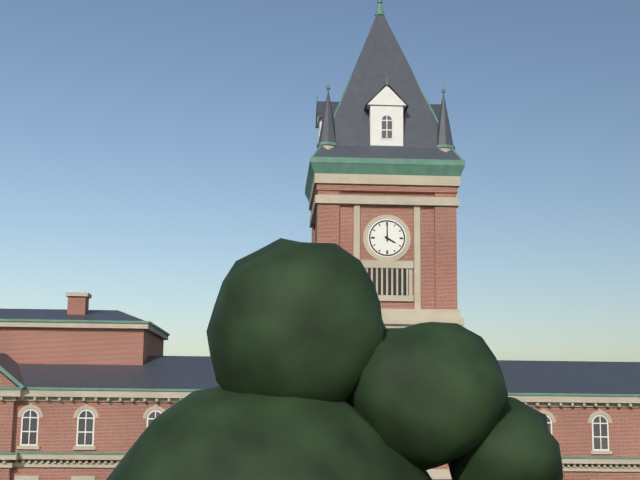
h=4 m=0
